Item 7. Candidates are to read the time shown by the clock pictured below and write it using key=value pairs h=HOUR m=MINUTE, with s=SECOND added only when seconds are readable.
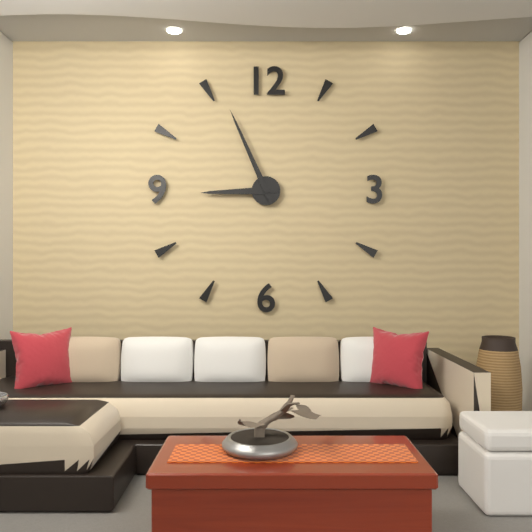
h=8 m=56
